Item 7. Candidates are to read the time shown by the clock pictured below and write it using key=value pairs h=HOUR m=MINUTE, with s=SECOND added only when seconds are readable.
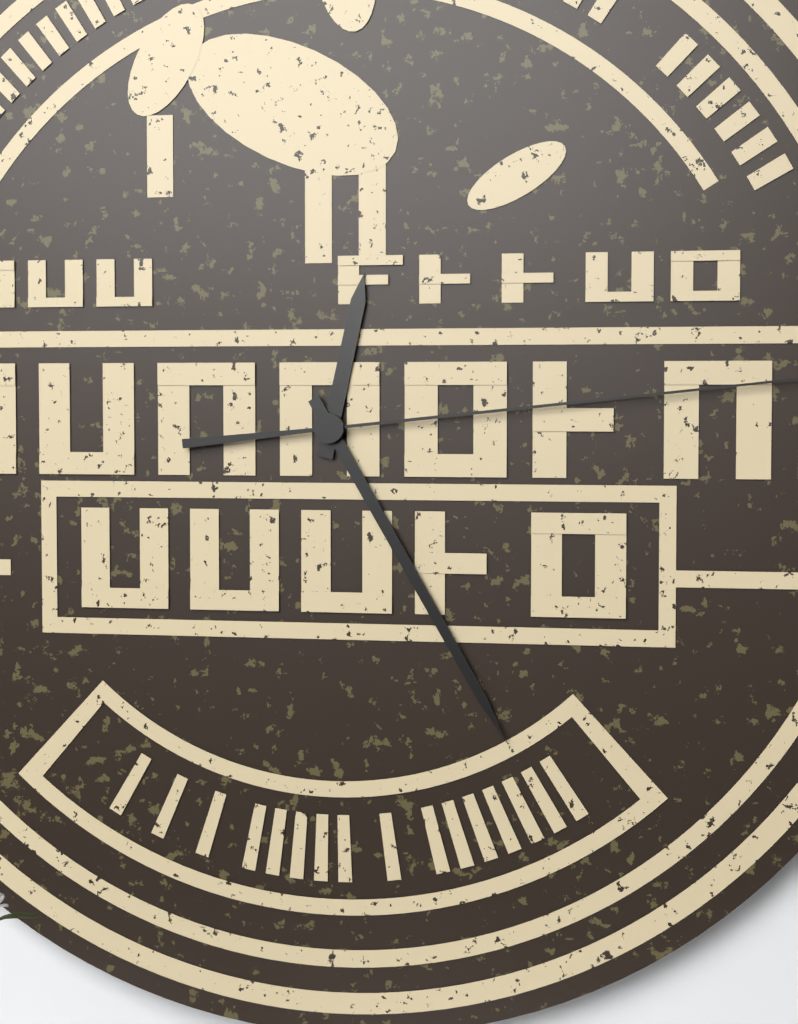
h=12 m=25
